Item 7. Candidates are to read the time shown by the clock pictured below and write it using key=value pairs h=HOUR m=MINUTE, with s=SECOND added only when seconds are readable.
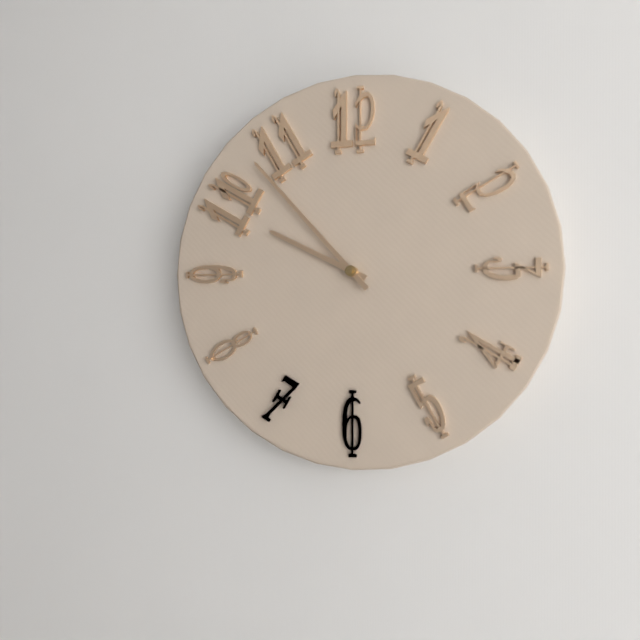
h=9 m=53
